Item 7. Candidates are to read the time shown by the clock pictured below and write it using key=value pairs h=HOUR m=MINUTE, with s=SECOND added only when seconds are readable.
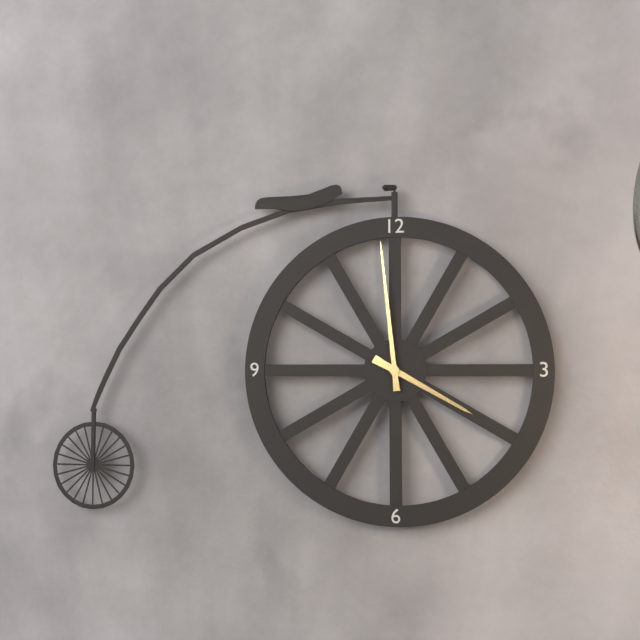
h=3 m=59
